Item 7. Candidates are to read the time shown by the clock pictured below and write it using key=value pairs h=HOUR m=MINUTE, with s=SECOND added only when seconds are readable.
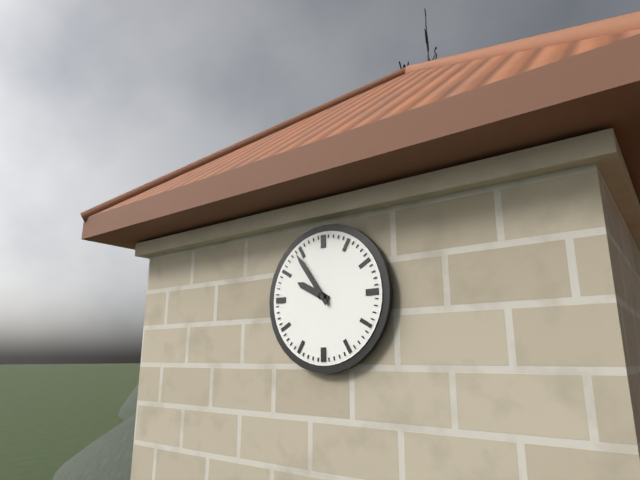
h=9 m=54
